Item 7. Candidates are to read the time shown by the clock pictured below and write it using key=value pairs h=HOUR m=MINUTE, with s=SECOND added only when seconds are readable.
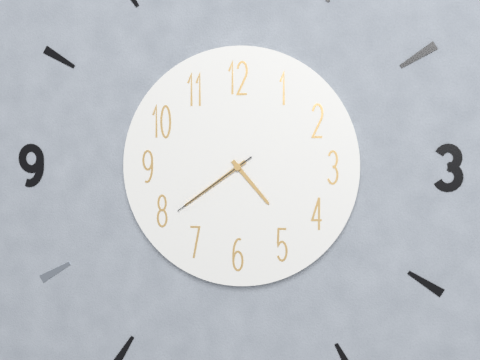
h=4 m=39 s=39
